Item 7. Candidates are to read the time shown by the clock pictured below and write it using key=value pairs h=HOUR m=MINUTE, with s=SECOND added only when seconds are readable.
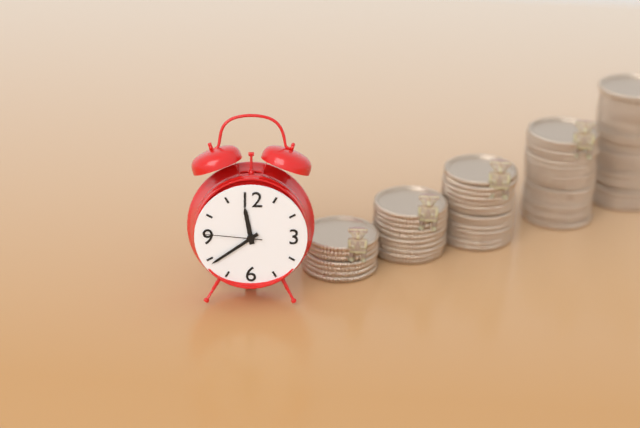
h=11 m=39 s=46
